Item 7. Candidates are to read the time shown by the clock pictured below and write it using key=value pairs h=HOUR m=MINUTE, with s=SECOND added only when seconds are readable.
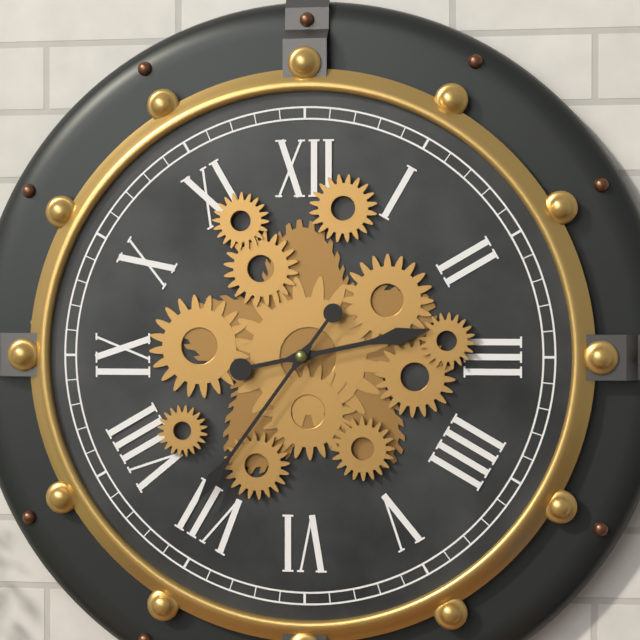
h=2 m=36
